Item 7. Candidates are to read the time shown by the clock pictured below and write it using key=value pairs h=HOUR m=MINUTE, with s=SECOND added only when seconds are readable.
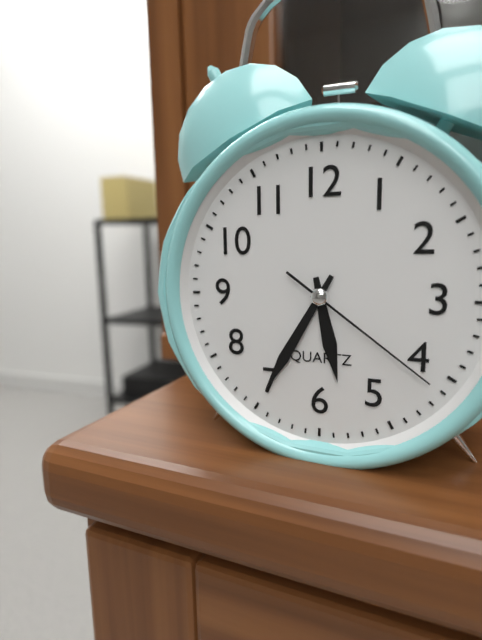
h=5 m=35 s=21
